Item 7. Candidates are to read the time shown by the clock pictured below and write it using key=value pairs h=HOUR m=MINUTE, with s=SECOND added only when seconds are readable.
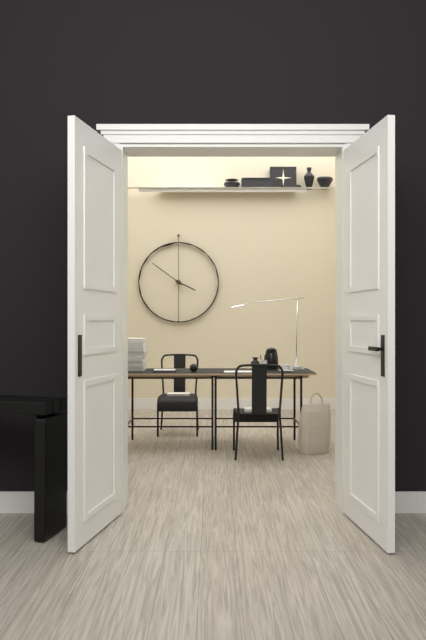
h=3 m=51
